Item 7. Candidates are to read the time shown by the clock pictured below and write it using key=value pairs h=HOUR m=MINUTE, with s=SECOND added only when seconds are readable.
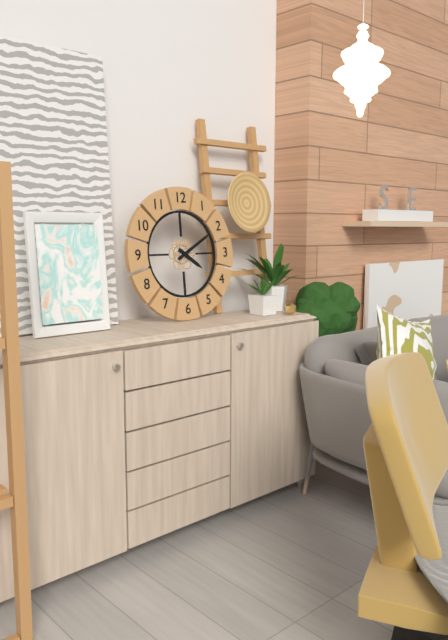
h=4 m=10
